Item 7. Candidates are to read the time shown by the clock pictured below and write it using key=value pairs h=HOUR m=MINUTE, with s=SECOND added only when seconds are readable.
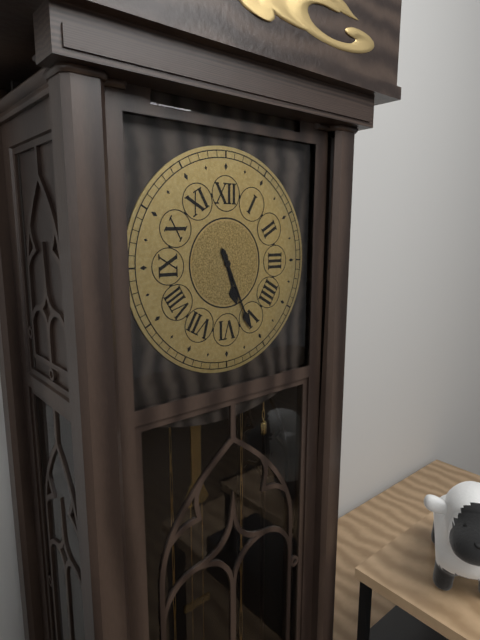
h=5 m=26
